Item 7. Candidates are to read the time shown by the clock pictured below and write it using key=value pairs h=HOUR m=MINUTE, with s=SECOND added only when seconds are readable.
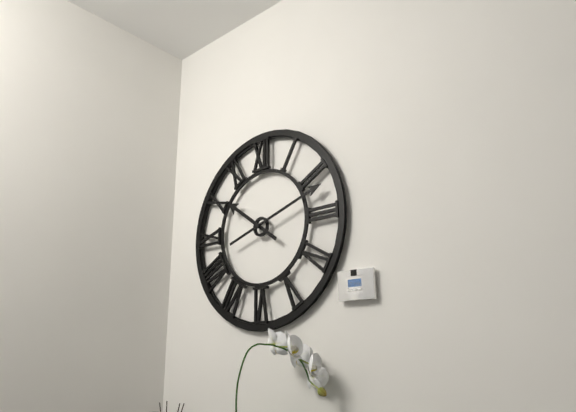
h=10 m=12
